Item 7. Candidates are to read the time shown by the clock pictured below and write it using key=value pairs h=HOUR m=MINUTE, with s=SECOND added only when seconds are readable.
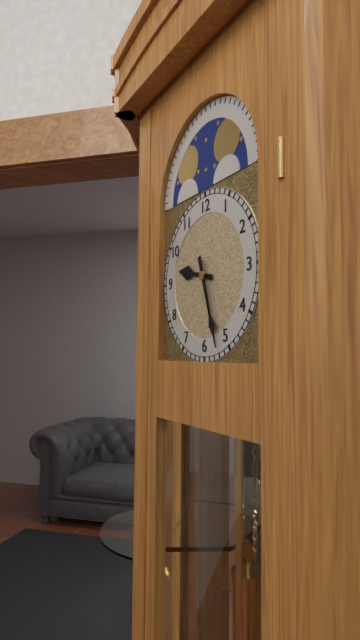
h=9 m=27
